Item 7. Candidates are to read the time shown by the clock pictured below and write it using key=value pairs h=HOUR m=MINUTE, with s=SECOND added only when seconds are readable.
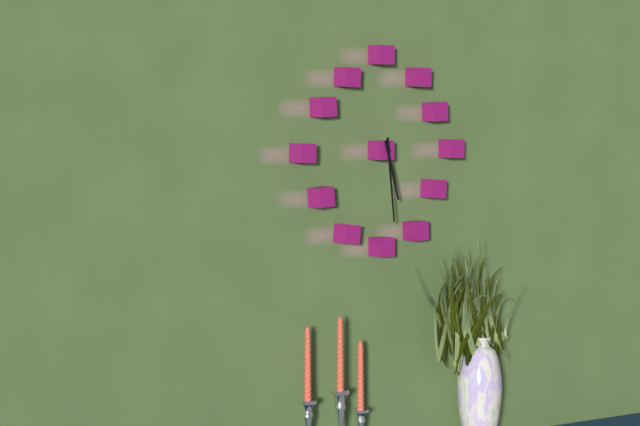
h=5 m=29
